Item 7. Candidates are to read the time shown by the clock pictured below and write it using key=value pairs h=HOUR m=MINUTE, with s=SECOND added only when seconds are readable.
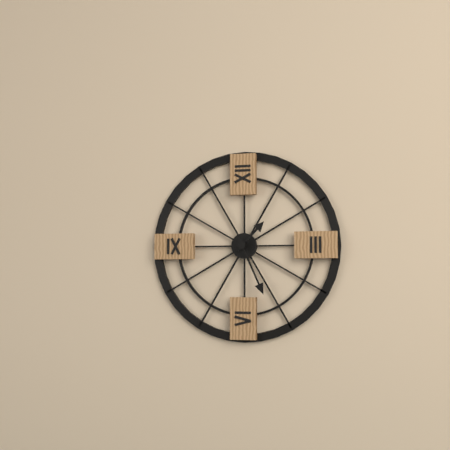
h=1 m=26
